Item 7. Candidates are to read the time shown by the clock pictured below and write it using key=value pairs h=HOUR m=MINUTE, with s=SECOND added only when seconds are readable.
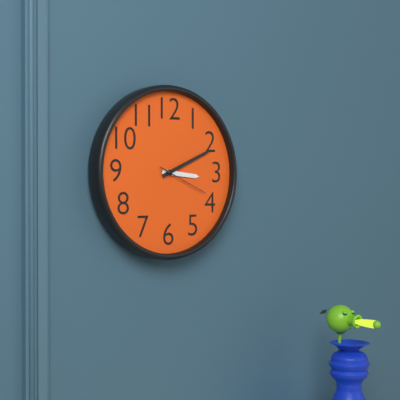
h=3 m=11 s=19
